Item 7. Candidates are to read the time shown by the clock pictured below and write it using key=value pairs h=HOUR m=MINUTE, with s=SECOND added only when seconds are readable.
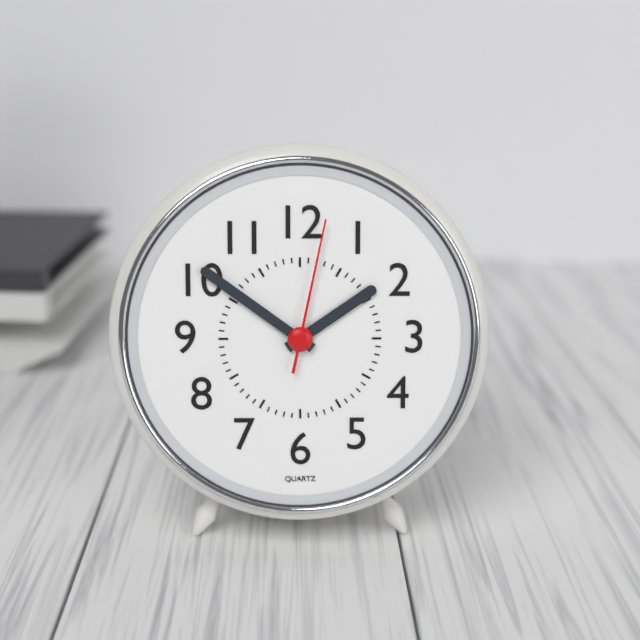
h=1 m=51 s=2
